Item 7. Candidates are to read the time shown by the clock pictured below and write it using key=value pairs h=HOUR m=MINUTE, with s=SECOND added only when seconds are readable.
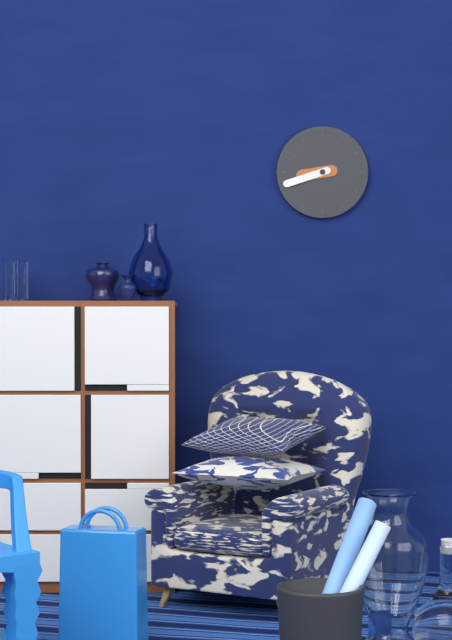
h=8 m=42
